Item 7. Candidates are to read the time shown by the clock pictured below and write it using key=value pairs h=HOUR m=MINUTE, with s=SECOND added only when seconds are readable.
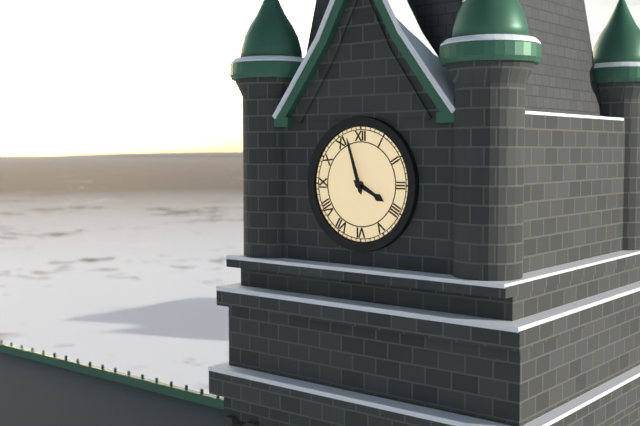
h=3 m=57
